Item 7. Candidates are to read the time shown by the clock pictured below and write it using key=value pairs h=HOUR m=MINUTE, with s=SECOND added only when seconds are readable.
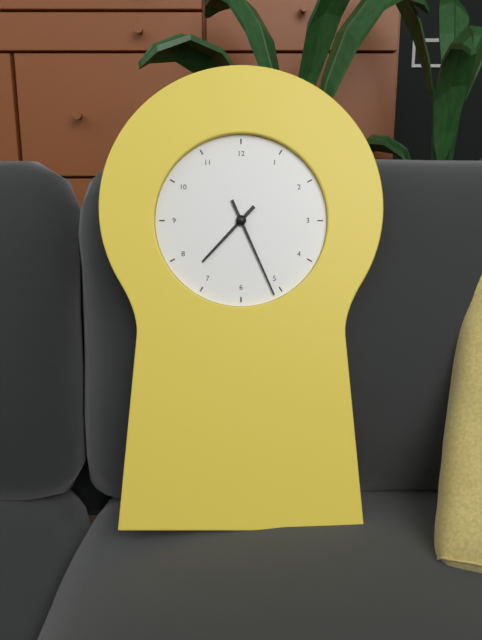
h=7 m=26
